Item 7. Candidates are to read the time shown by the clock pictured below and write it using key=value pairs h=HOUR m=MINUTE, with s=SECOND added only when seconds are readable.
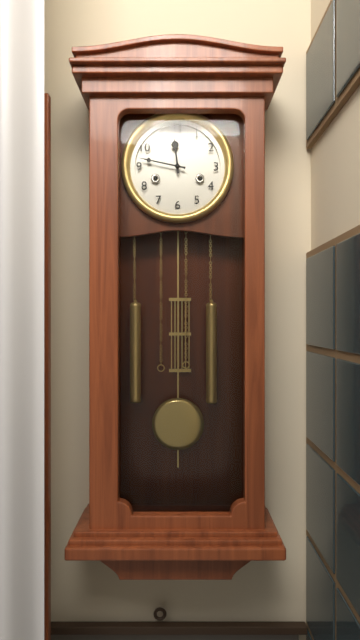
h=11 m=47
